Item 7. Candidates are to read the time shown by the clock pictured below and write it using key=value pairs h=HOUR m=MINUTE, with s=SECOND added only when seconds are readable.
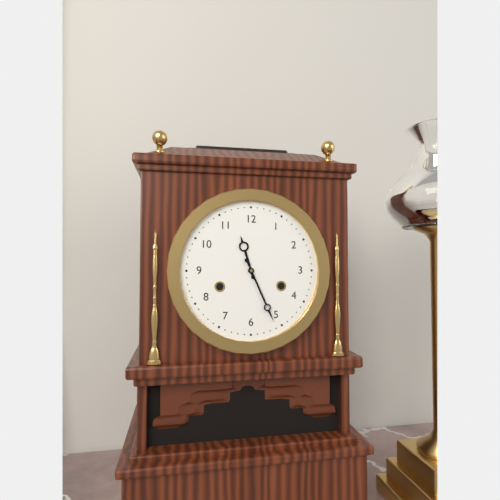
h=11 m=26
